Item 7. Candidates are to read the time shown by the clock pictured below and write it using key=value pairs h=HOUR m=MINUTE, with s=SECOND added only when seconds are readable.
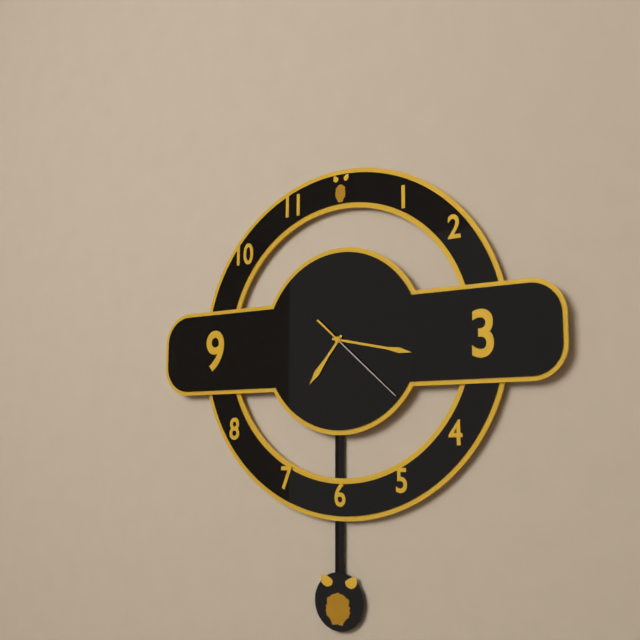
h=7 m=17 s=22
